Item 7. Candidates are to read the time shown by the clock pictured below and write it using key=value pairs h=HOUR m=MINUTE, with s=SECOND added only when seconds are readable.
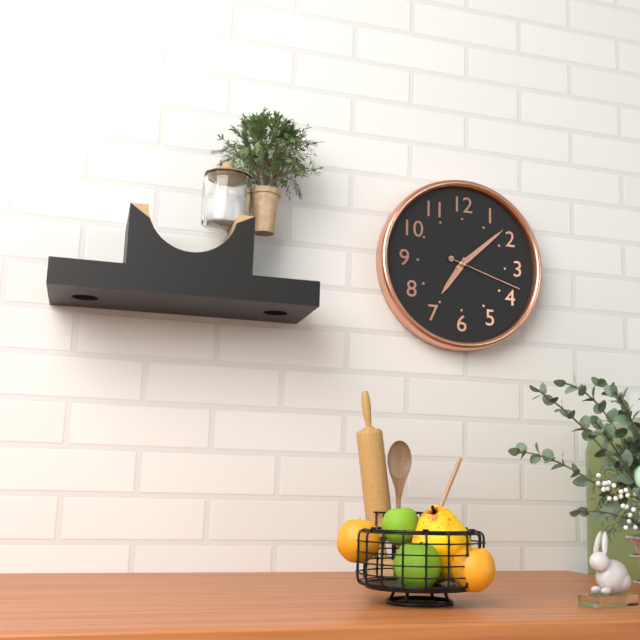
h=7 m=8 s=18
